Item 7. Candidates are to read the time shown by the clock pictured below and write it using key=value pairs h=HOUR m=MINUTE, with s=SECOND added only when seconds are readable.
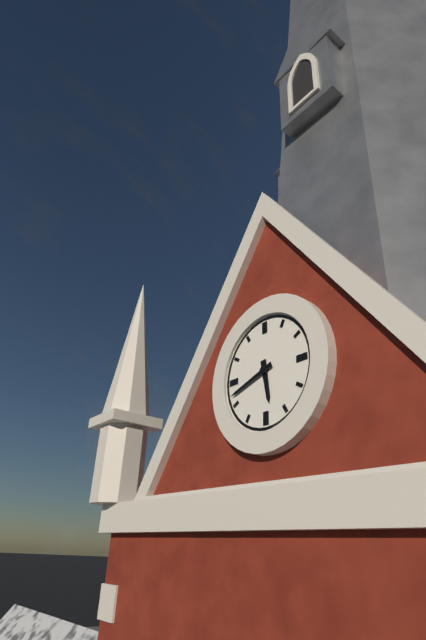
h=5 m=42
